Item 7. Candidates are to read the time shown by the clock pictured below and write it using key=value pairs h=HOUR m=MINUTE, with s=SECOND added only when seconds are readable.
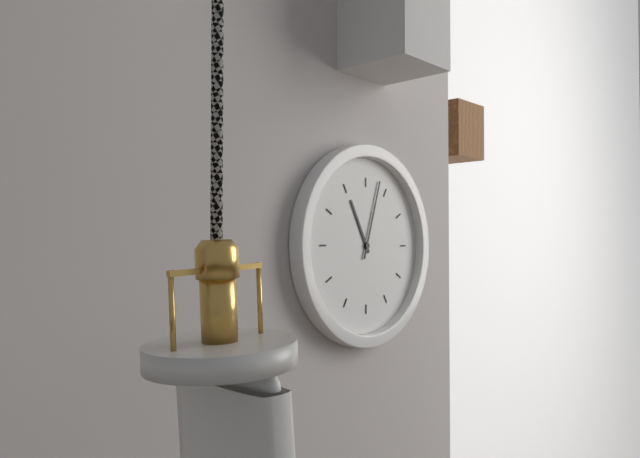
h=11 m=3
